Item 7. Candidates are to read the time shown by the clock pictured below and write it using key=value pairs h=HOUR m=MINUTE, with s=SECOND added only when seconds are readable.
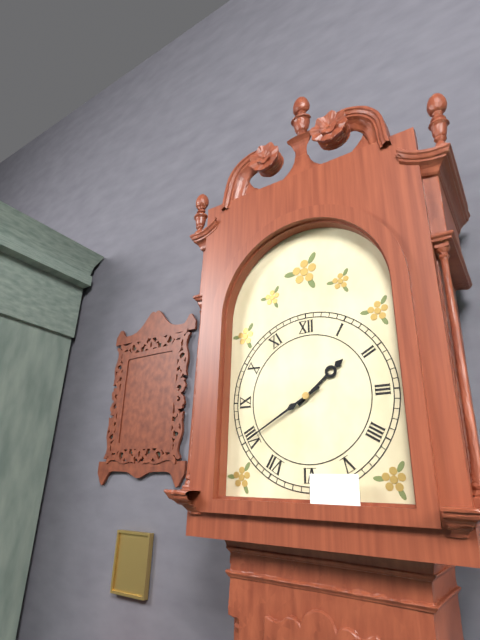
h=1 m=40
